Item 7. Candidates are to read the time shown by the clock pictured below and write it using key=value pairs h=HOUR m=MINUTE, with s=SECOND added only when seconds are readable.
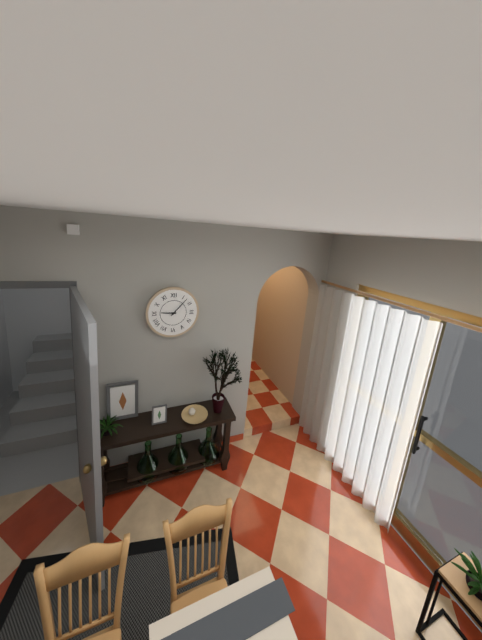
h=9 m=7
